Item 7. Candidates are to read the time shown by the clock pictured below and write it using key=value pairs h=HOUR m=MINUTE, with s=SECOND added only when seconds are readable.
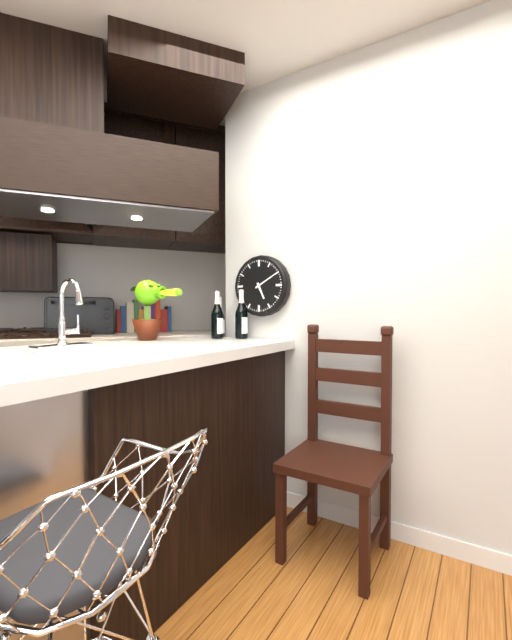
h=5 m=10
